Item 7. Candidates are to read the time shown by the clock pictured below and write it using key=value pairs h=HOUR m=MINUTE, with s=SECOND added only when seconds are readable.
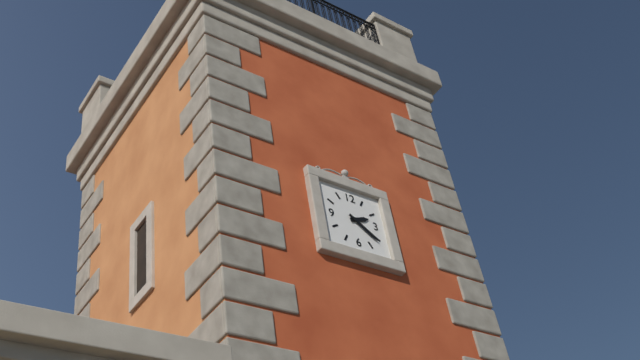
h=2 m=21
